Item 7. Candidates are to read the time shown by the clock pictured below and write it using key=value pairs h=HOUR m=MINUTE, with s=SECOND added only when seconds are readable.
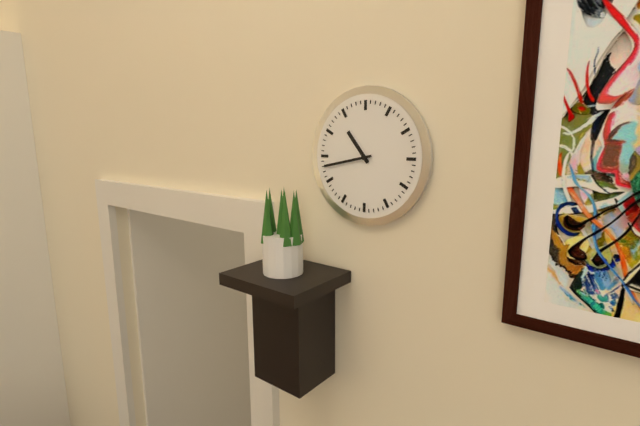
h=10 m=43
